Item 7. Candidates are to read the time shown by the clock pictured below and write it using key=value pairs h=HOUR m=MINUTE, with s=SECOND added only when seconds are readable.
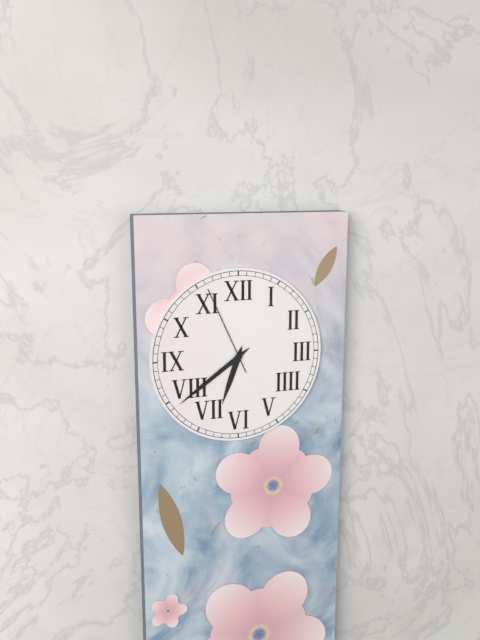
h=6 m=39 s=56
